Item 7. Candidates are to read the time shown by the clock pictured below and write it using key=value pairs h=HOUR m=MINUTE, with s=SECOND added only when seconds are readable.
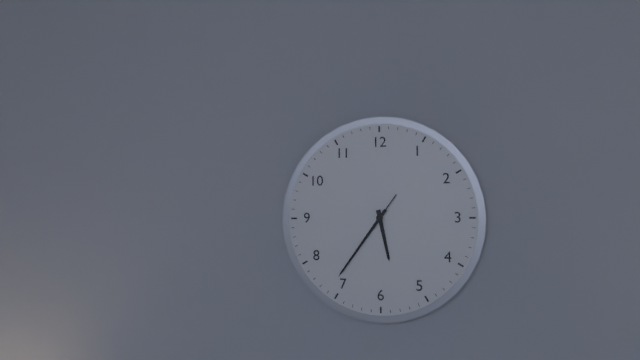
h=5 m=36 s=36
